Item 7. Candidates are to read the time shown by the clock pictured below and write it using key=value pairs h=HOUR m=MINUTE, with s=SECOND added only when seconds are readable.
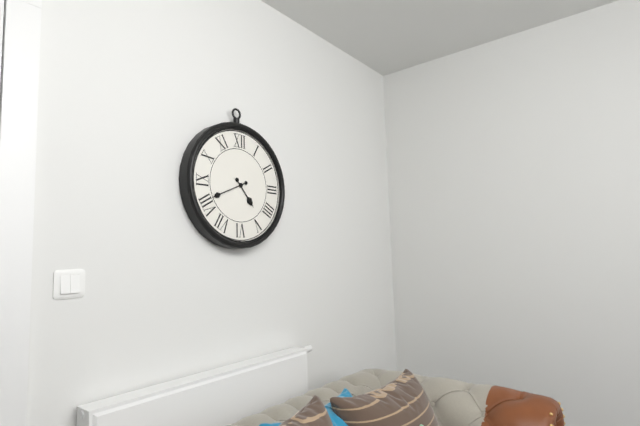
h=4 m=41
